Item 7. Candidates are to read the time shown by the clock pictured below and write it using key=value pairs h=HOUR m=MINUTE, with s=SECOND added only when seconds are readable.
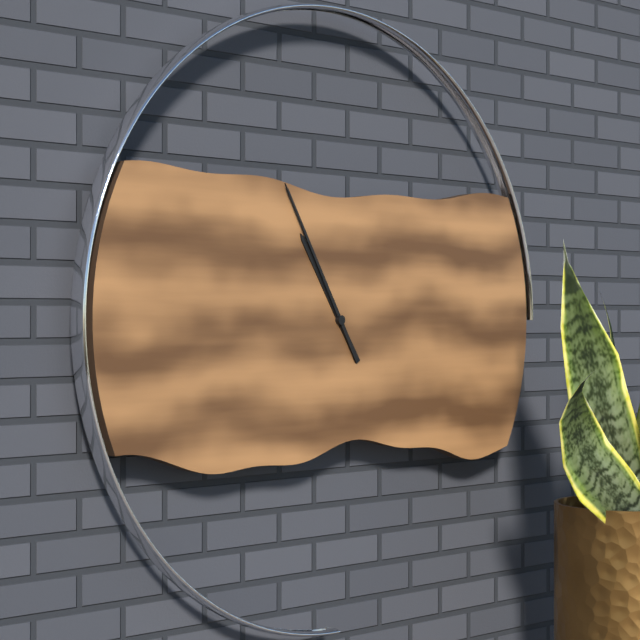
h=10 m=55
